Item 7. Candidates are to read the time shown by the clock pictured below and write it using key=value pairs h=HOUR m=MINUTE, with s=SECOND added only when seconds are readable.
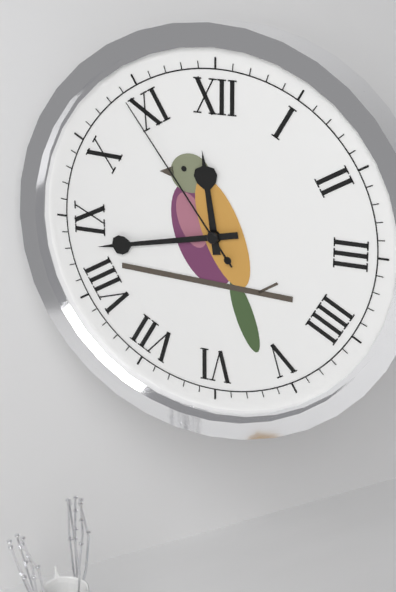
h=11 m=43 s=54
